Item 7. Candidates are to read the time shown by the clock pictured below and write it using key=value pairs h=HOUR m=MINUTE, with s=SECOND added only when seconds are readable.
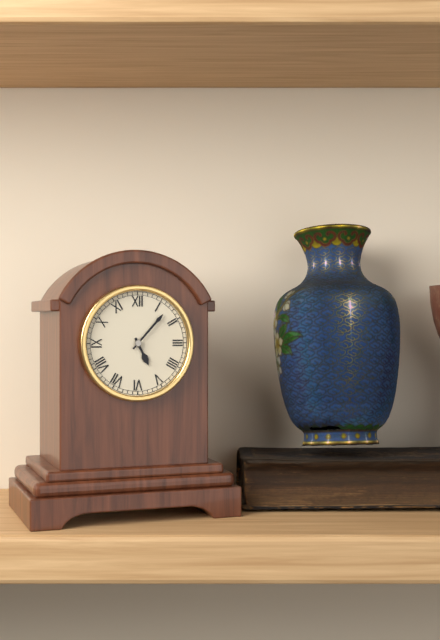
h=5 m=7
